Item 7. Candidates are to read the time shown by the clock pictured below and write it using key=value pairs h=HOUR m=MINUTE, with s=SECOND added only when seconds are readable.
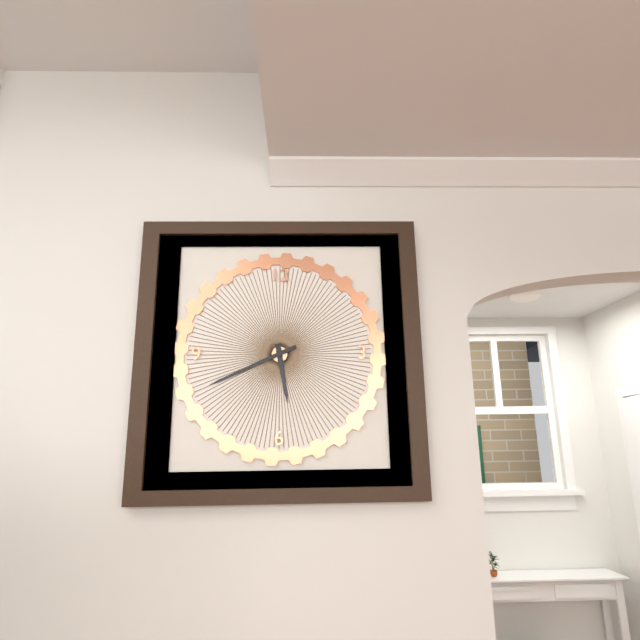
h=5 m=41
